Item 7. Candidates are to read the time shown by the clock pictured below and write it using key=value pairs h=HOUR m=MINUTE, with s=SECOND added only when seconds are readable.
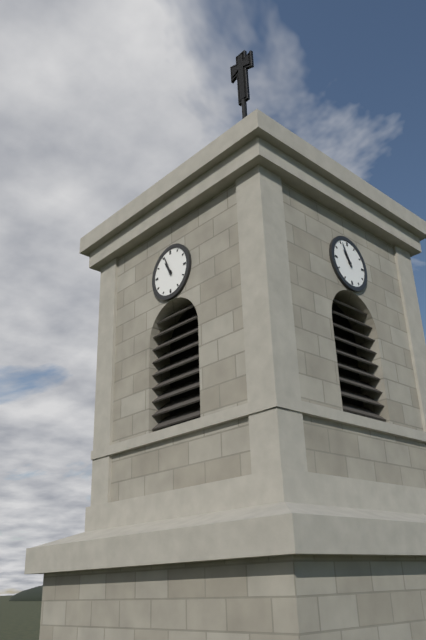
h=10 m=56
